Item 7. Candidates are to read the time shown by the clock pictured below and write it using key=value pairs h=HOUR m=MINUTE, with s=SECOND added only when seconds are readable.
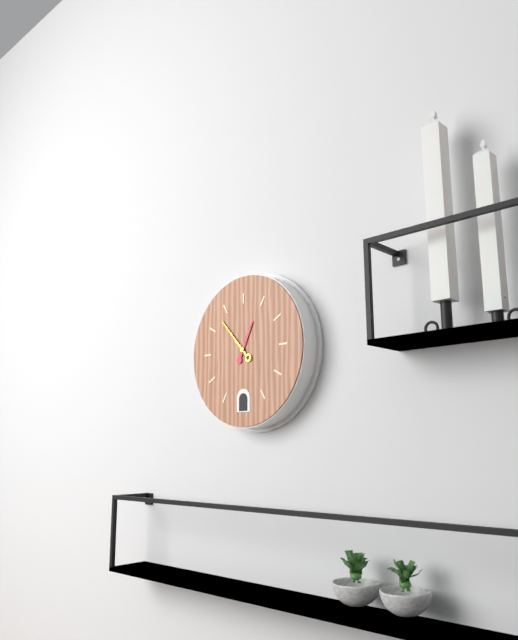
h=12 m=53
